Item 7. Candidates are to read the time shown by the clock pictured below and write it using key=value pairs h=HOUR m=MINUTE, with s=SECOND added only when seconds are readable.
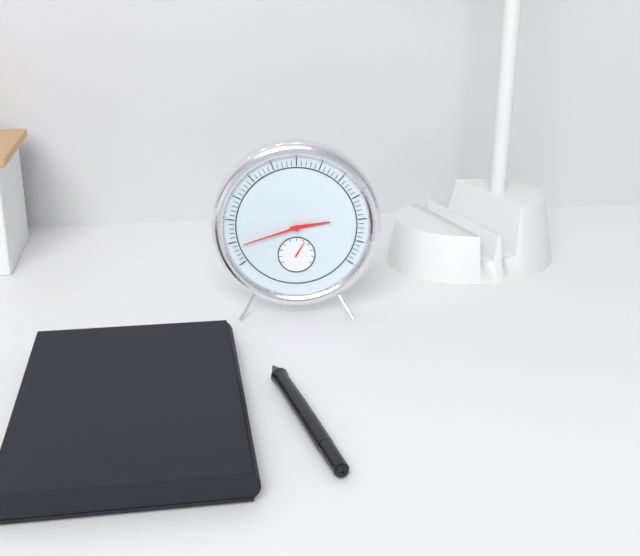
h=2 m=42
